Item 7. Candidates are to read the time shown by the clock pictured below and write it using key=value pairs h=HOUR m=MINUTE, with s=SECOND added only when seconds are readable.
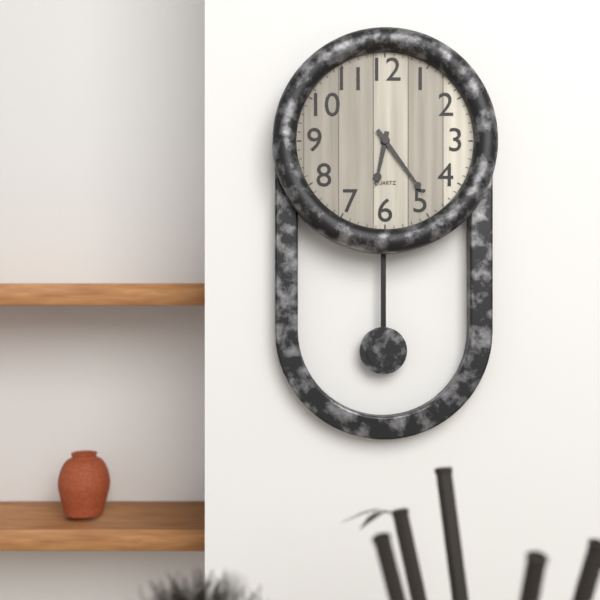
h=6 m=24
